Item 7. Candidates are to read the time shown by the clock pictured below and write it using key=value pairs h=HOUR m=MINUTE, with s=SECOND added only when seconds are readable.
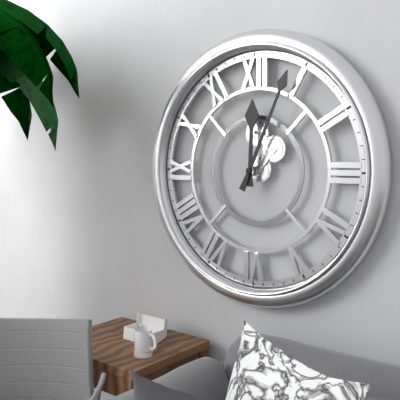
h=12 m=4
